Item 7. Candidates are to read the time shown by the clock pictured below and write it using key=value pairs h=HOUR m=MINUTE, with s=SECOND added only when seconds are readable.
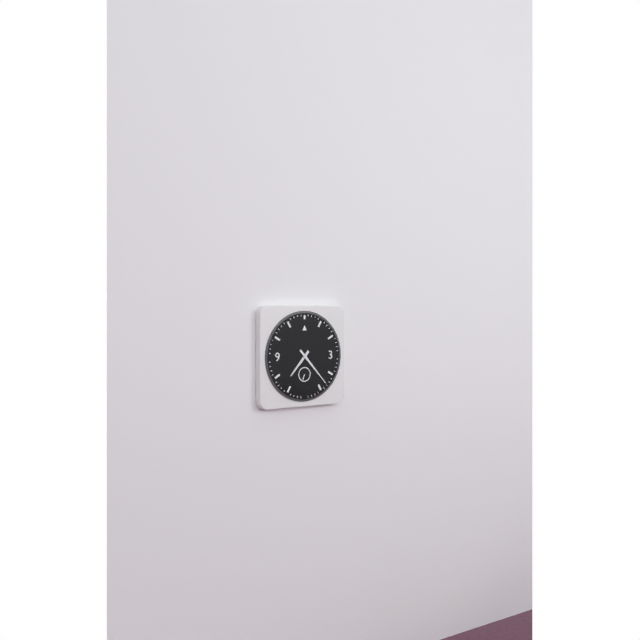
h=7 m=23
